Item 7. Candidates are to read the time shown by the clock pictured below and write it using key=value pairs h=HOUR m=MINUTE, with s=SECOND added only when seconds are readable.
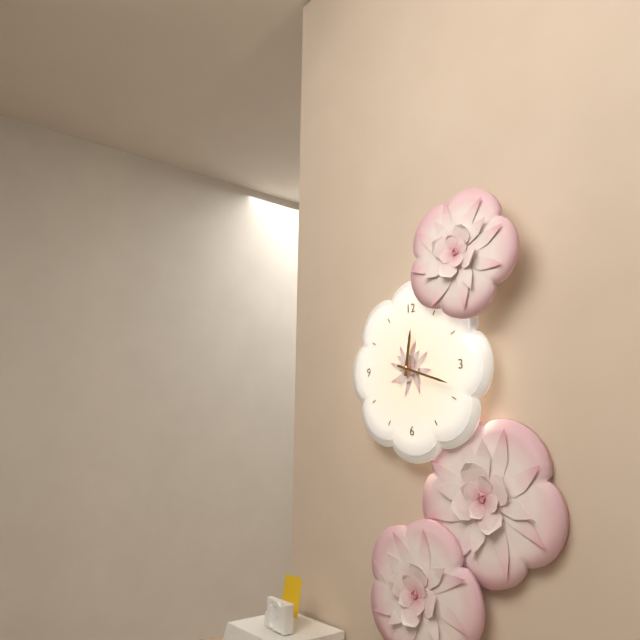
h=12 m=18
